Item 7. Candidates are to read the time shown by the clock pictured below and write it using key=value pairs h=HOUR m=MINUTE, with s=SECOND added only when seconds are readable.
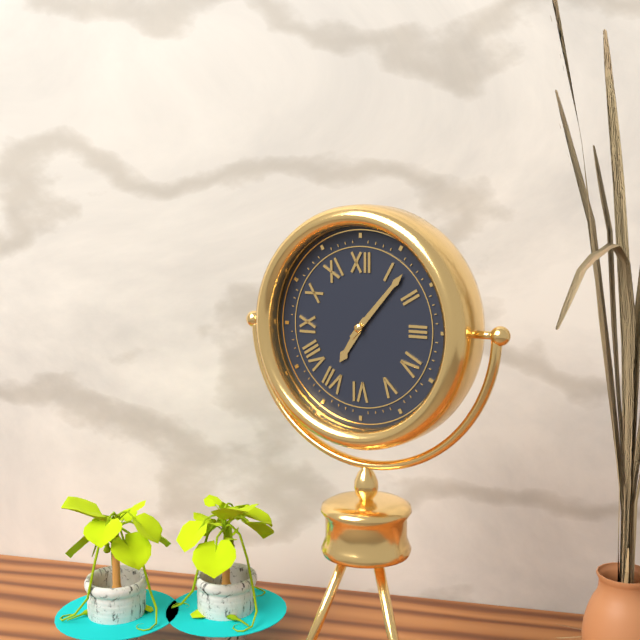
h=7 m=7
